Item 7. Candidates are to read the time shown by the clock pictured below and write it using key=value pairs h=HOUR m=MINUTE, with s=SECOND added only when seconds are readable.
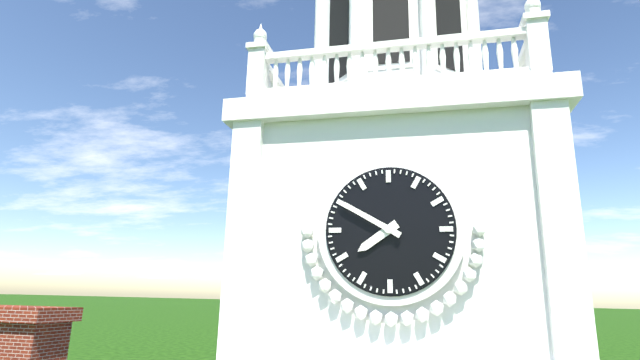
h=7 m=50
